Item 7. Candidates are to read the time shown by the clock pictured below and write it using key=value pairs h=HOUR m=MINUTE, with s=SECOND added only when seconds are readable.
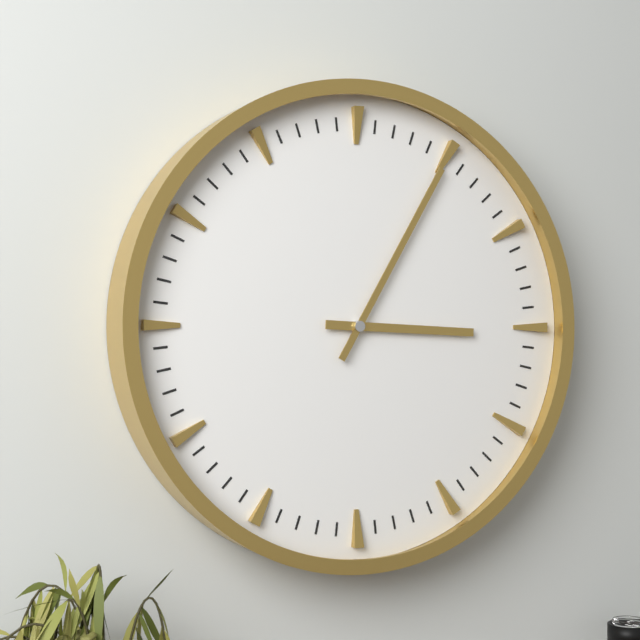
h=3 m=5
